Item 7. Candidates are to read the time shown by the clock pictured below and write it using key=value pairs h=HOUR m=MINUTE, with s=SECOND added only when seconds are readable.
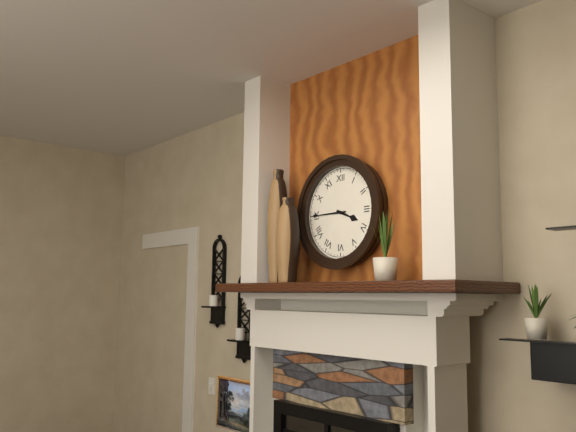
h=3 m=45
